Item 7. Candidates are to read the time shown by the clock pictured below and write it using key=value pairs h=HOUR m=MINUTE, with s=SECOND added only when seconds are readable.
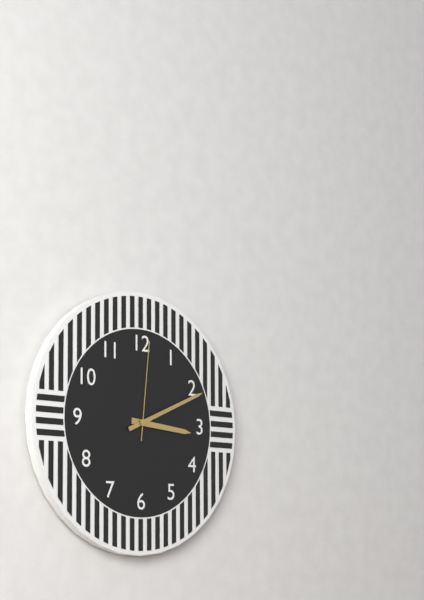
h=3 m=11 s=1
